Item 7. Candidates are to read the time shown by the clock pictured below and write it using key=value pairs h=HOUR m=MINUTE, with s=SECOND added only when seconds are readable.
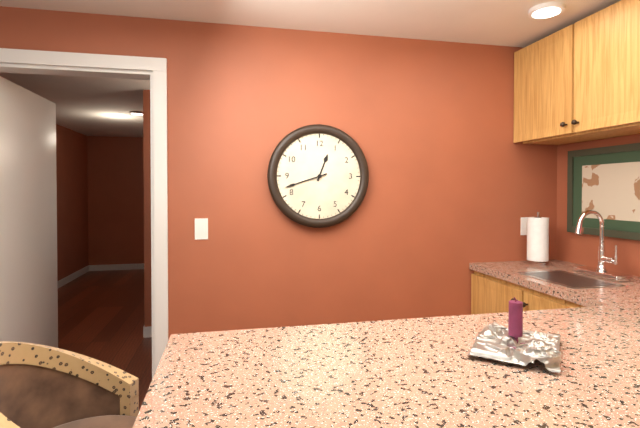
h=12 m=42
